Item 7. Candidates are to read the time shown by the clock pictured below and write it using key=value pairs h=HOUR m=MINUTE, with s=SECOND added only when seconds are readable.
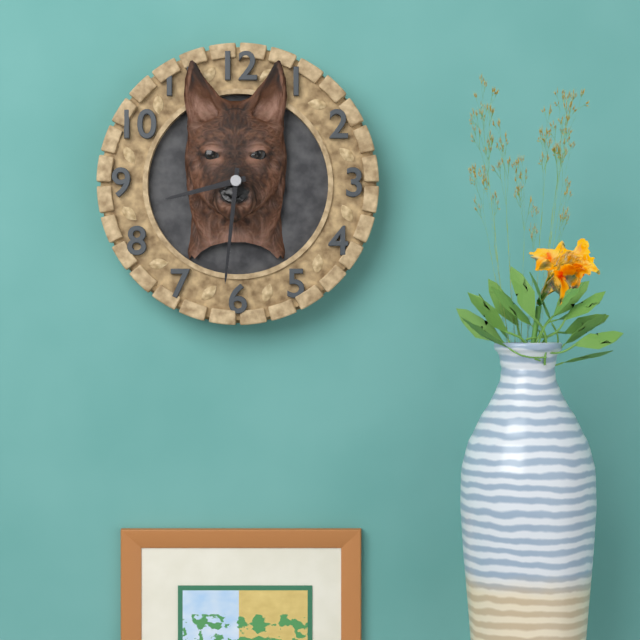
h=8 m=31
